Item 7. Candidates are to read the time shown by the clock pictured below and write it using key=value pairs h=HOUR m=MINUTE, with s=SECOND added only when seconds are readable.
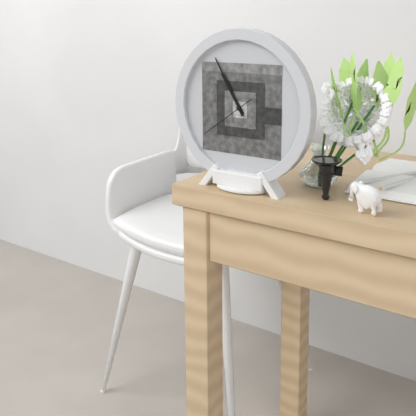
h=10 m=55 s=39
